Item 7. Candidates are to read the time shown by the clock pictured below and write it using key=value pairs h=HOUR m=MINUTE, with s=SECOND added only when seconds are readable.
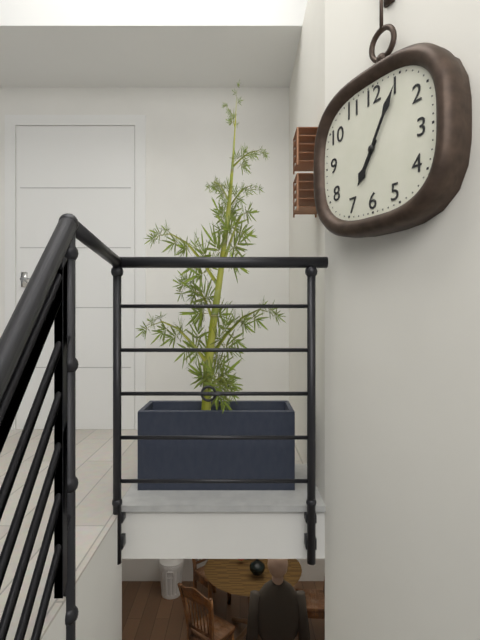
h=7 m=5
